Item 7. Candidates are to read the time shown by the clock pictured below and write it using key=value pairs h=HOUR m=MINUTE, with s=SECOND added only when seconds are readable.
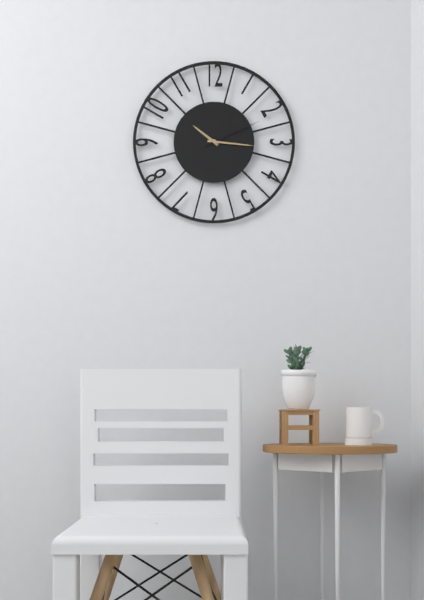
h=10 m=16 s=11
